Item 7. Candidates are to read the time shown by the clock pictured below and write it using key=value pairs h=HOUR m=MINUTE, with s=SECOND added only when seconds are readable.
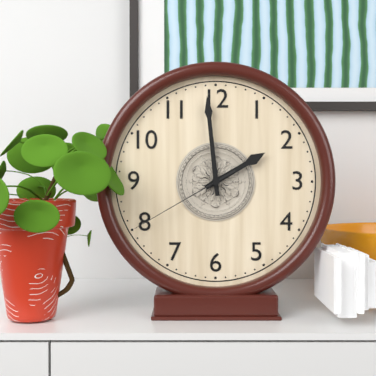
h=1 m=59 s=40
